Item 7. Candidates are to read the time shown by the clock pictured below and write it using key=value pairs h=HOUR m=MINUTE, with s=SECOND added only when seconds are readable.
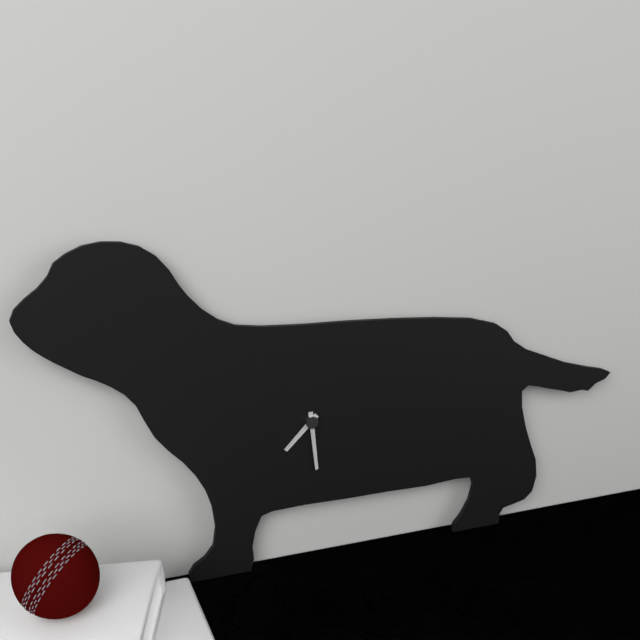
h=7 m=29
